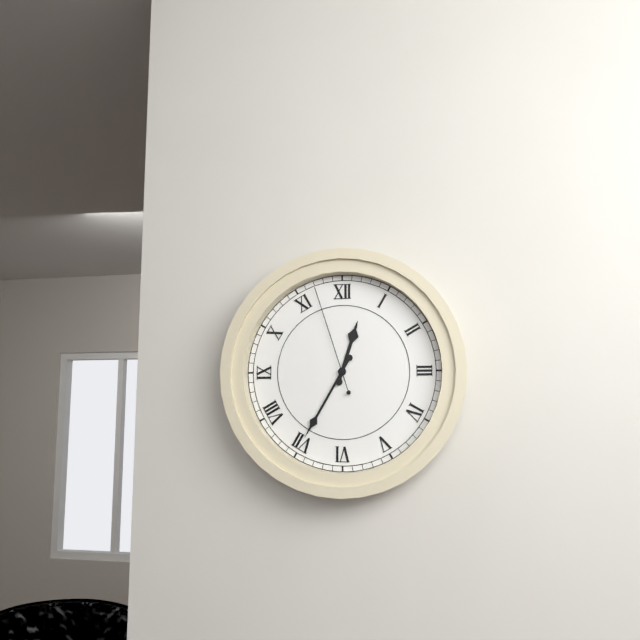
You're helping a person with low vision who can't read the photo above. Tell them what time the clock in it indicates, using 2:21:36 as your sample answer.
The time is 12:35:57
